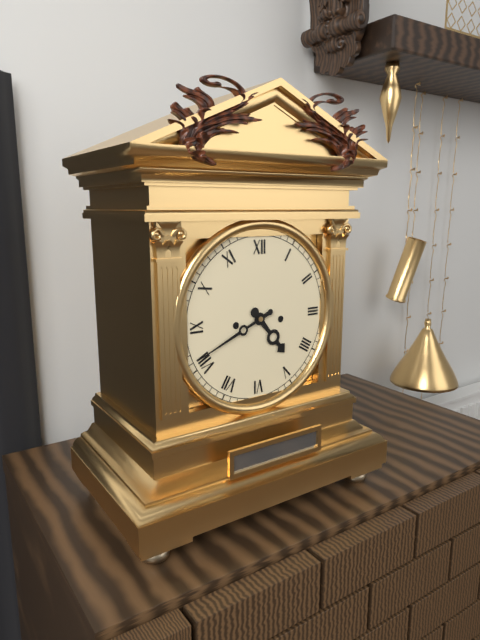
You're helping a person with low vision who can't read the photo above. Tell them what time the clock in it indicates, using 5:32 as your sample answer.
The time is 4:41
